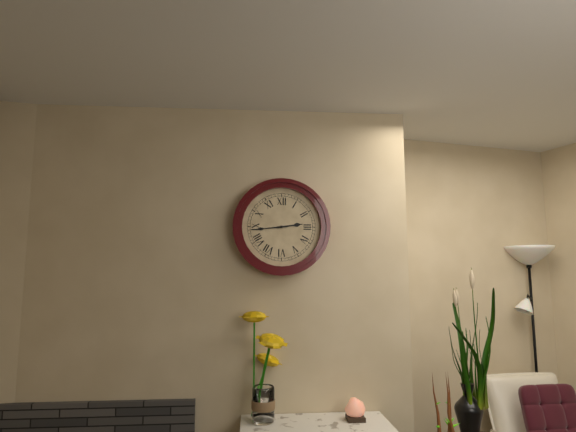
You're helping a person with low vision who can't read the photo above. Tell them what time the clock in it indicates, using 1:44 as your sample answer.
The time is 2:44
